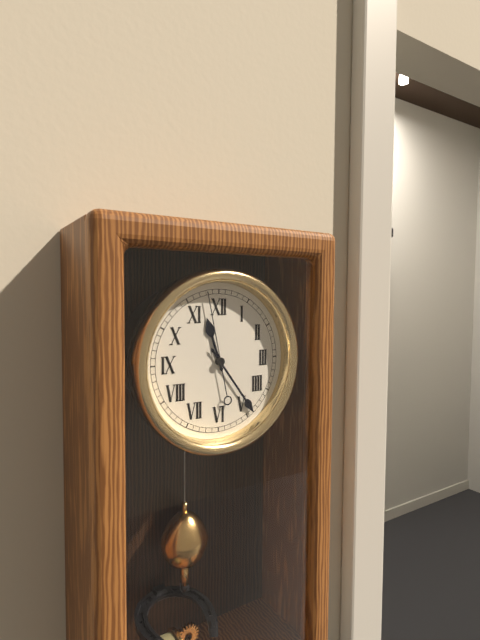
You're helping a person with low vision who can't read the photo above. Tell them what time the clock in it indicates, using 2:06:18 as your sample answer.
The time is 11:24:58
